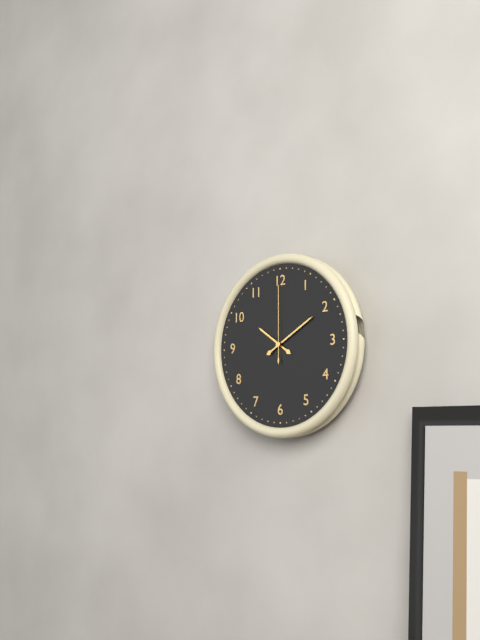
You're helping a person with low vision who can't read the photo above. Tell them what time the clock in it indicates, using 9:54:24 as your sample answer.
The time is 10:10:00
